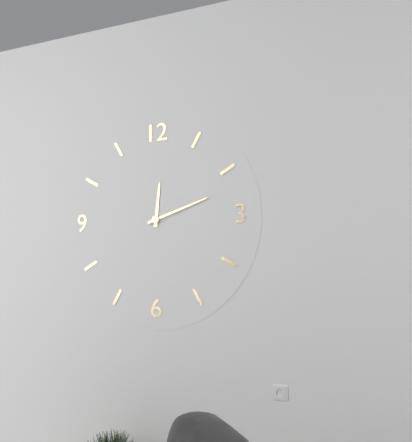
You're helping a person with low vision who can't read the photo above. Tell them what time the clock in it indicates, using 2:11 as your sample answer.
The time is 12:12
